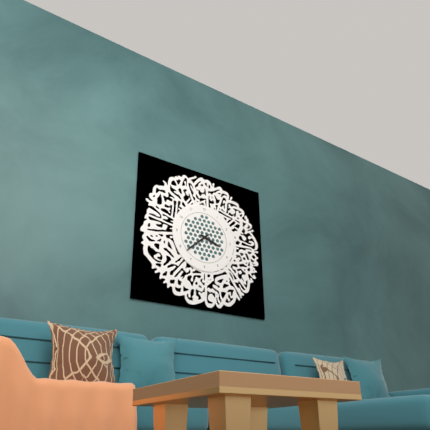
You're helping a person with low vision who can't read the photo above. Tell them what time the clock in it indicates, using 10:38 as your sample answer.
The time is 3:38
